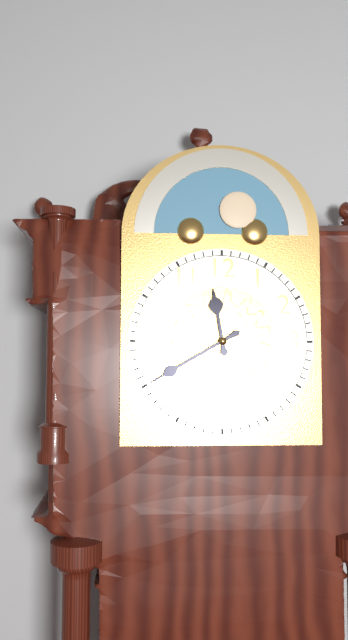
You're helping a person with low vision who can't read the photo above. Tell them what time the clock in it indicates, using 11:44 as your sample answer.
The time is 11:40
